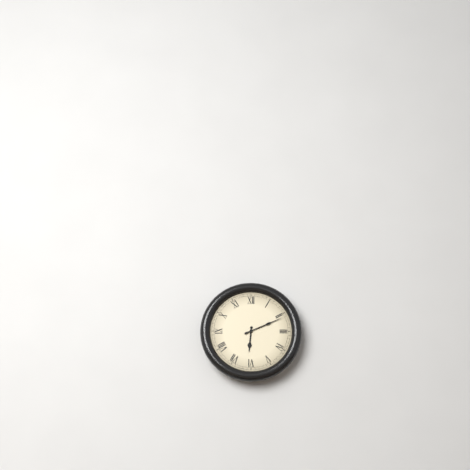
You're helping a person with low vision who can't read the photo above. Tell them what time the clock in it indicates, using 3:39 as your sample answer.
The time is 6:11
